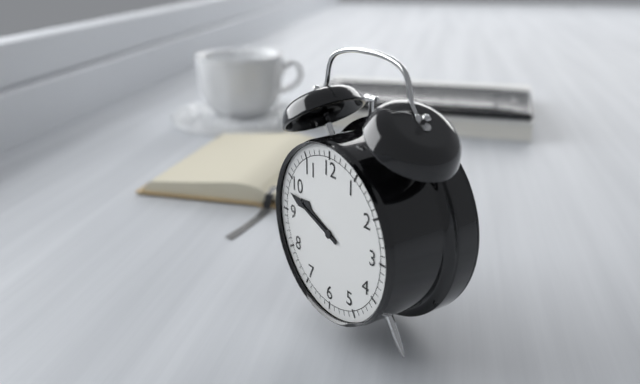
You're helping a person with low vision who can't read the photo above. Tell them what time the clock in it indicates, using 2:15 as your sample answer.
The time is 9:48
